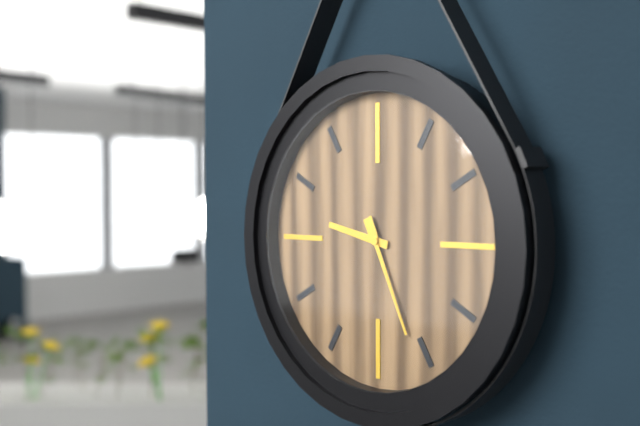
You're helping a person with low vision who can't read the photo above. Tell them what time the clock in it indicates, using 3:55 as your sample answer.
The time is 9:26
